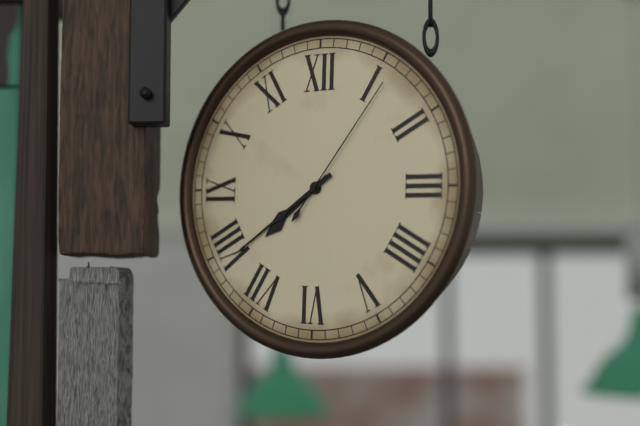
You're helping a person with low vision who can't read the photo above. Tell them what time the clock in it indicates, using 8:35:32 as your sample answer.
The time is 7:39:06
